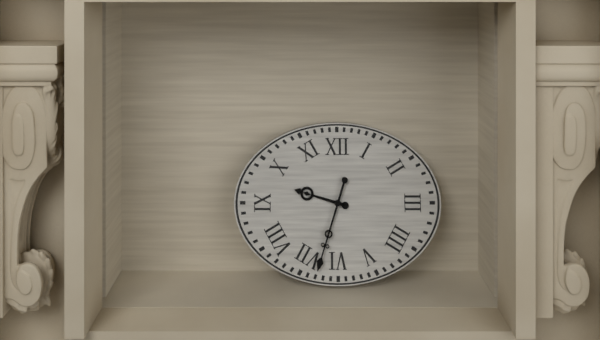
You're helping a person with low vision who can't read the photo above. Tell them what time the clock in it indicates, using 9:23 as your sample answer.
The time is 9:33
